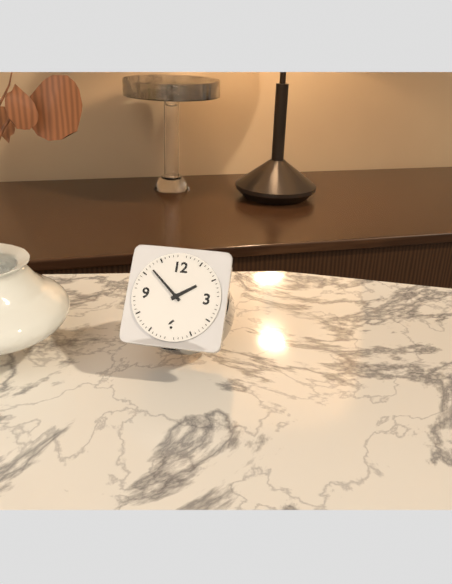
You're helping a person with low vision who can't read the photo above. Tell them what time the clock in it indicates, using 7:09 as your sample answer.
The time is 1:52
